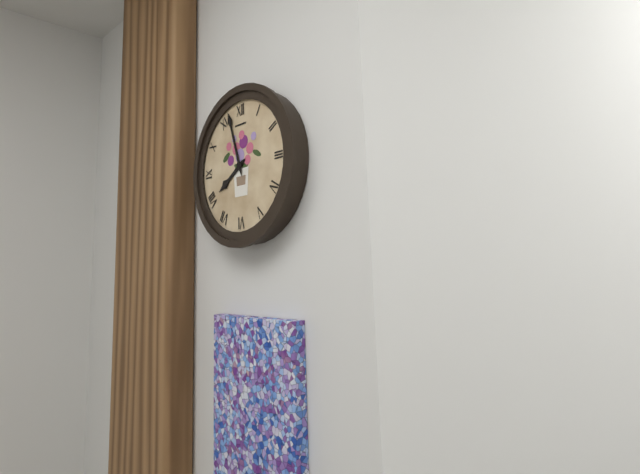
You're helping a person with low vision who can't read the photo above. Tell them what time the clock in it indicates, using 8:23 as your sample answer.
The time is 7:57
